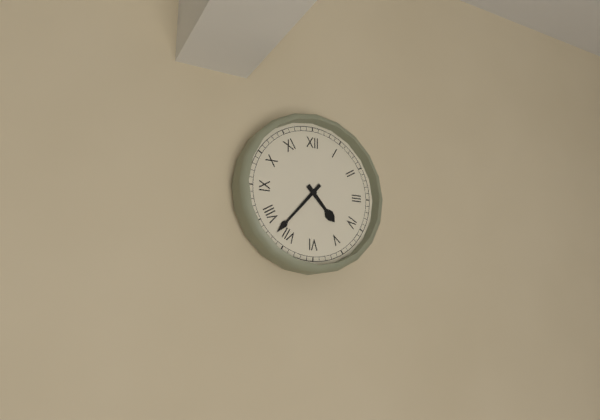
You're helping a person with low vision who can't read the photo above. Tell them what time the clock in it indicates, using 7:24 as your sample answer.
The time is 4:37
